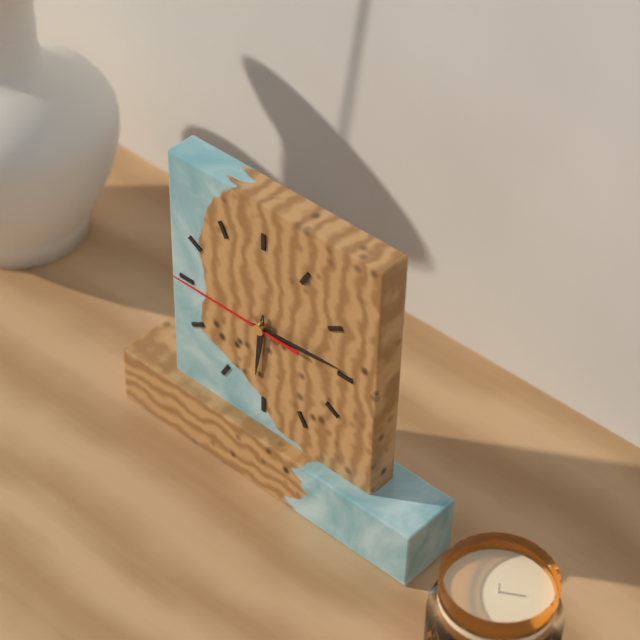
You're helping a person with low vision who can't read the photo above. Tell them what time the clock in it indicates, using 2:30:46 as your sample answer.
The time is 6:14:45
